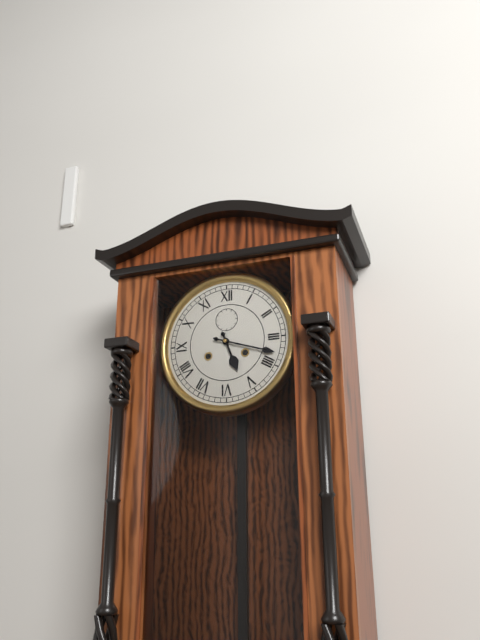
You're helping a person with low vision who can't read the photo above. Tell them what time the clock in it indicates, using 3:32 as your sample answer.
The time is 5:18
